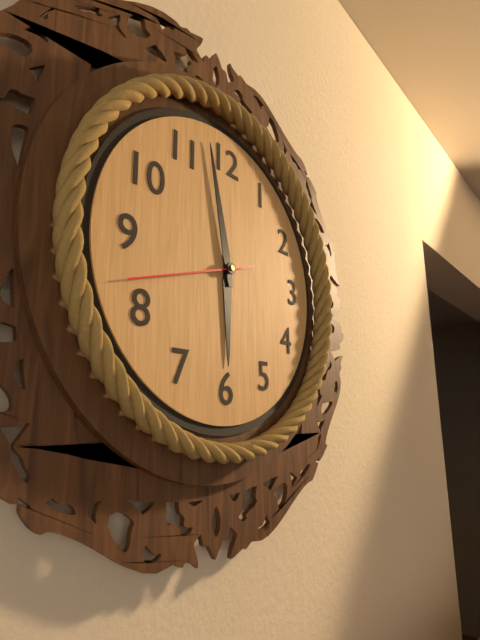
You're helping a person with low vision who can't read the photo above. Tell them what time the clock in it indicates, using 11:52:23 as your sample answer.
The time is 5:58:42
